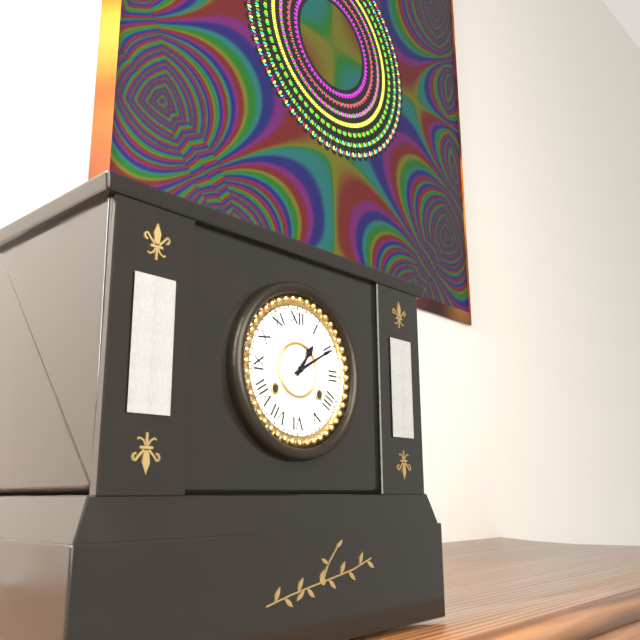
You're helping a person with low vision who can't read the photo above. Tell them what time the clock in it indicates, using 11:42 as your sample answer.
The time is 1:10
